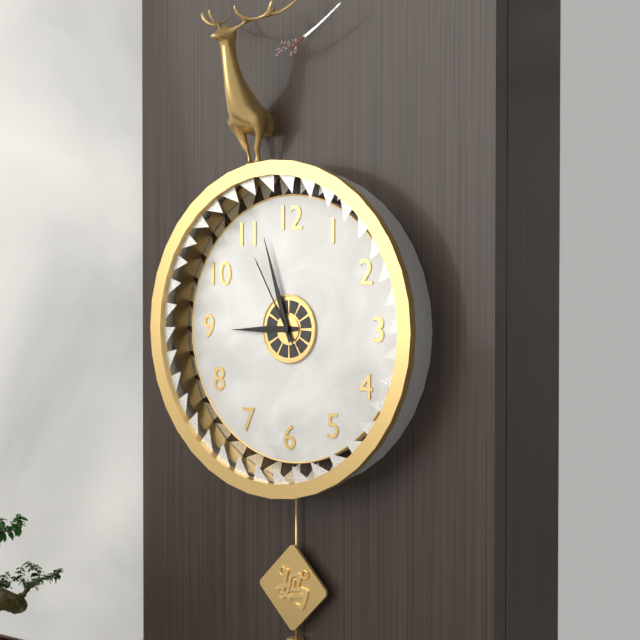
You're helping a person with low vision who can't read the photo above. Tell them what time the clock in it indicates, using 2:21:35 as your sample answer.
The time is 8:57:55
